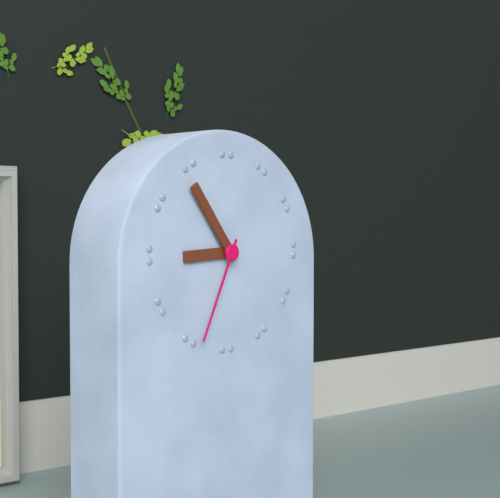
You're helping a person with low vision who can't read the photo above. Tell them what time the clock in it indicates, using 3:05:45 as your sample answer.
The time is 8:54:34
